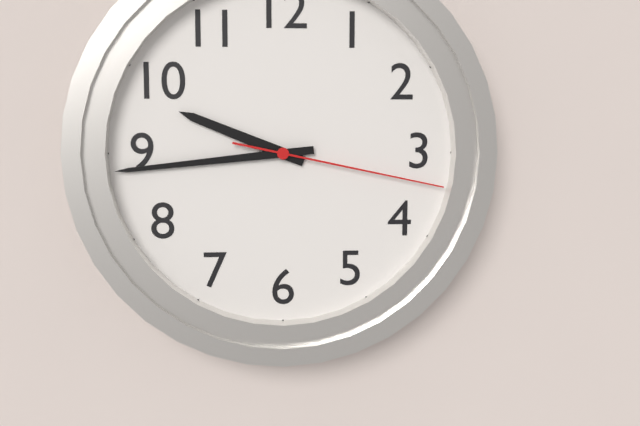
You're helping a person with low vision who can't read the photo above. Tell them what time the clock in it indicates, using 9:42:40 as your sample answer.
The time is 9:44:17
